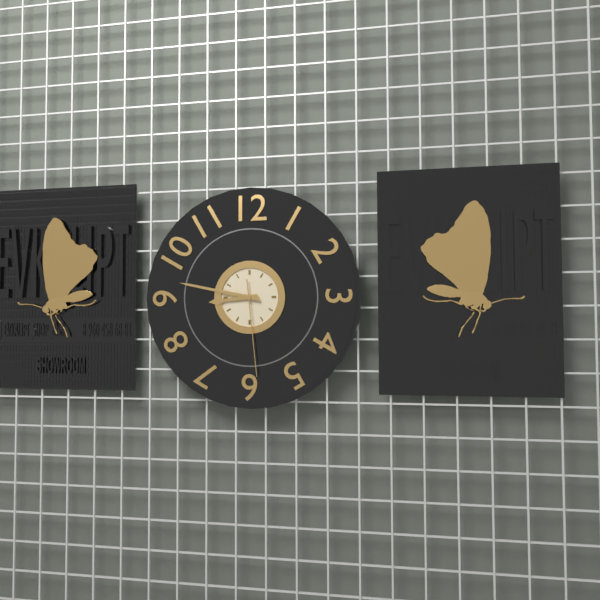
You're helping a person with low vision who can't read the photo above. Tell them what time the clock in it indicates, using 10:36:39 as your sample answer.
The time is 8:47:29
